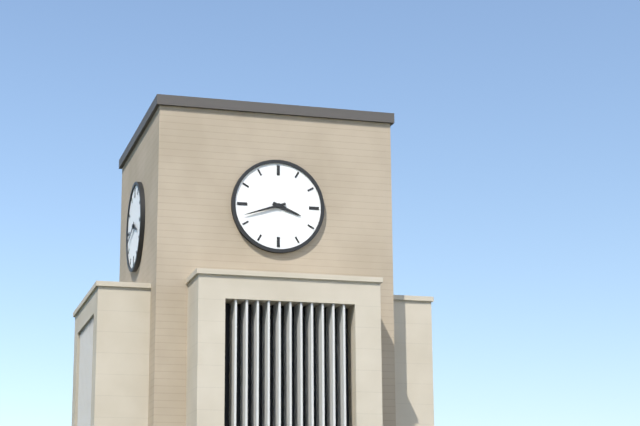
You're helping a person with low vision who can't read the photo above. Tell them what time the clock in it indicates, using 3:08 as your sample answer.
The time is 3:42
